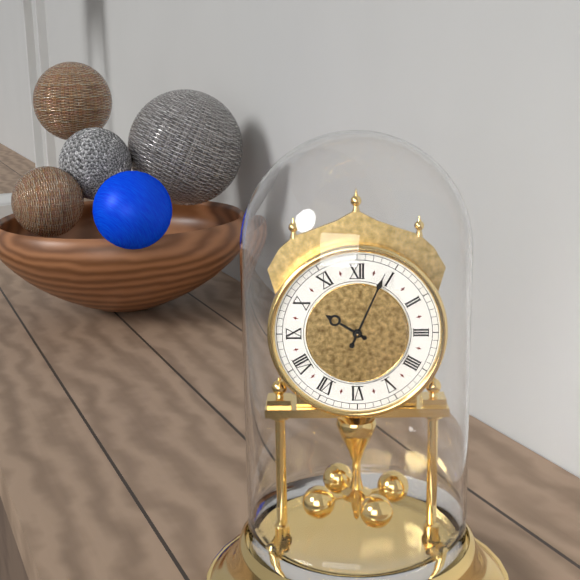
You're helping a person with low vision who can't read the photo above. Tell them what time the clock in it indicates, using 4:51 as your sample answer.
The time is 10:04
